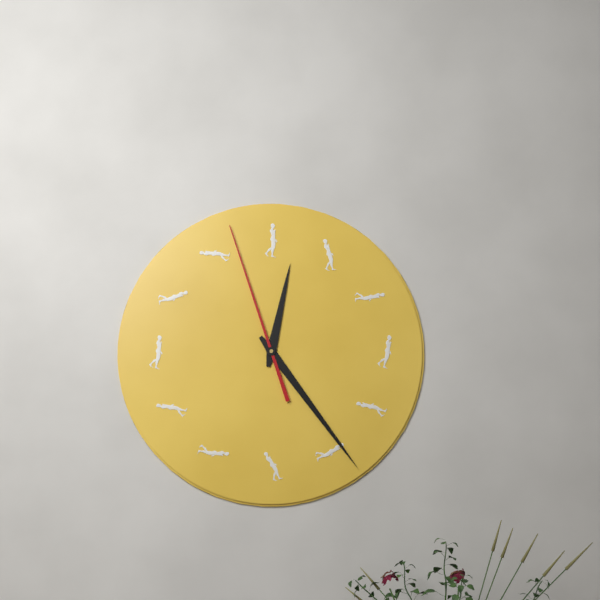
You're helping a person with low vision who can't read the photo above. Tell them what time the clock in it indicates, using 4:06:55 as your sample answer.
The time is 12:24:57
